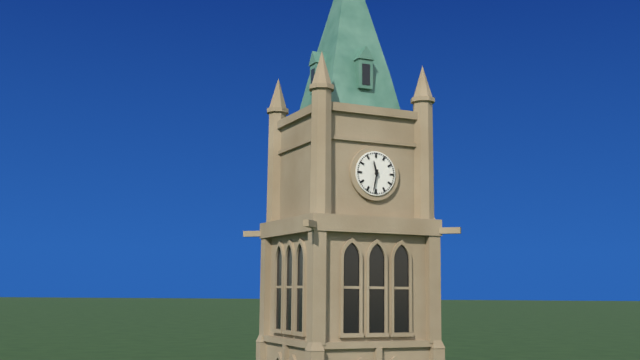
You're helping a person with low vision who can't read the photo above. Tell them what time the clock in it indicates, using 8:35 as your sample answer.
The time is 11:32
